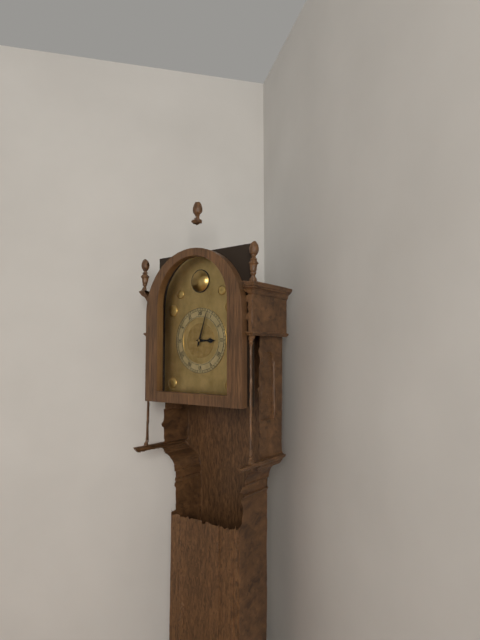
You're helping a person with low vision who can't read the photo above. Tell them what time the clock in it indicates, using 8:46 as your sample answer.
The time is 3:03
